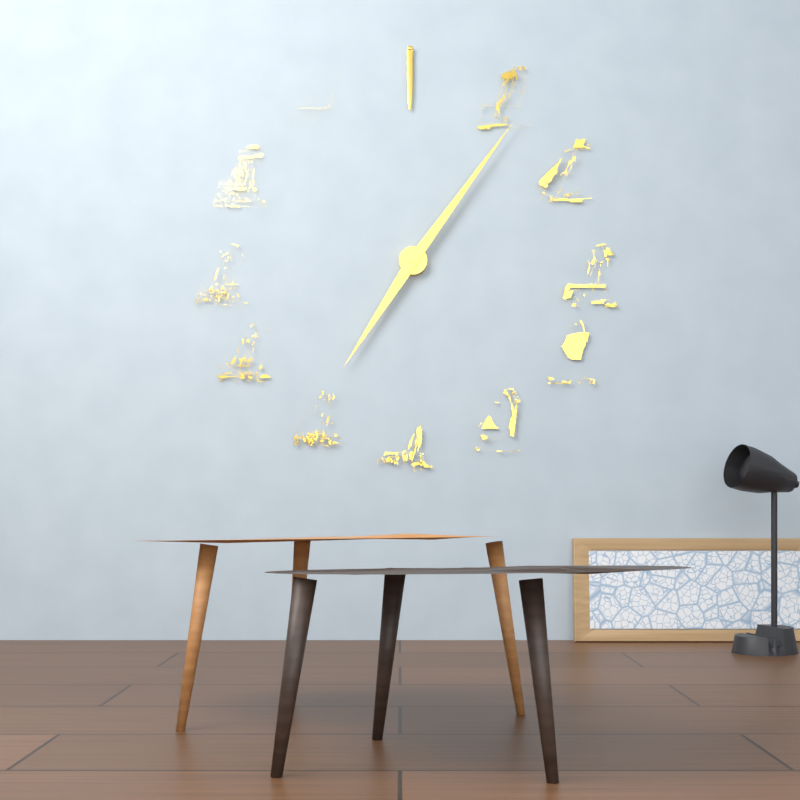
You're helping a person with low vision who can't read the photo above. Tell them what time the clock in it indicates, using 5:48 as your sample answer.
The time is 7:06
